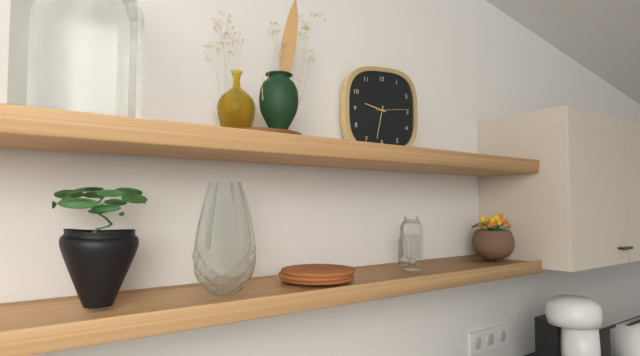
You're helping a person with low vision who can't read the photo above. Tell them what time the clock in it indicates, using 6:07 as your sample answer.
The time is 9:32
